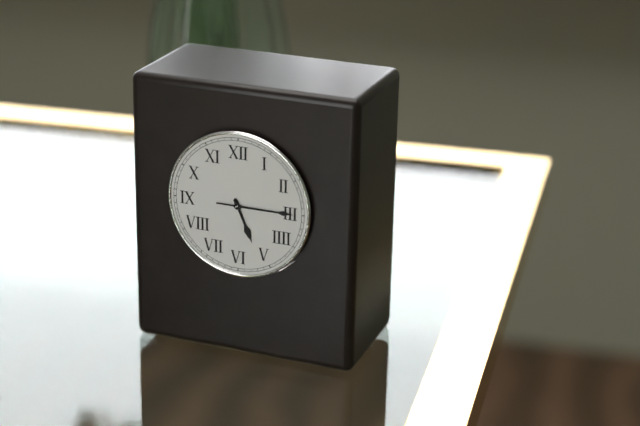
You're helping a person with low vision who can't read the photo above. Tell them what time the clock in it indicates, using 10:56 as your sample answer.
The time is 5:15
